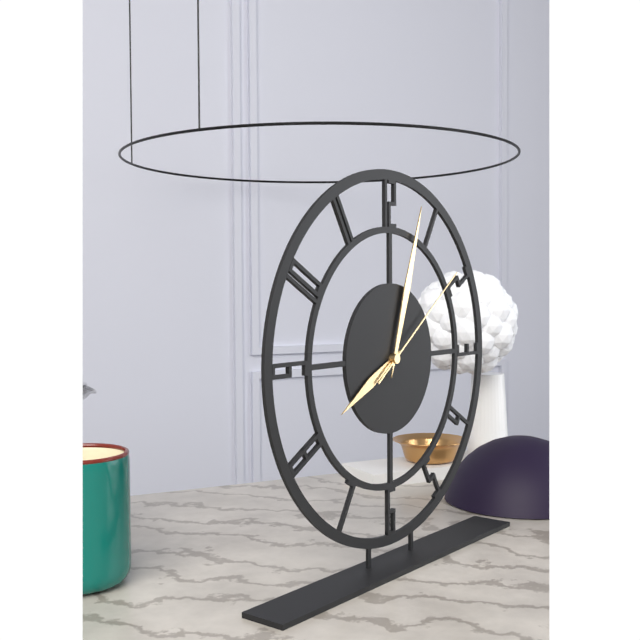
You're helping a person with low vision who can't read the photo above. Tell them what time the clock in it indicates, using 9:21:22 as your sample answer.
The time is 8:03:09
